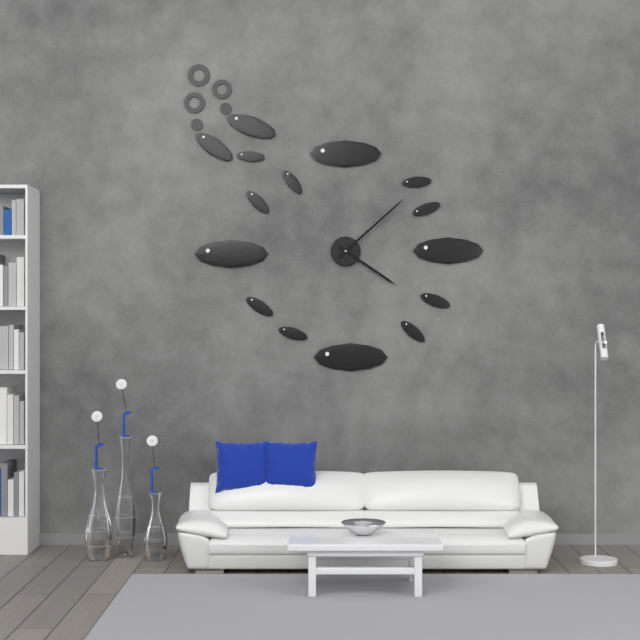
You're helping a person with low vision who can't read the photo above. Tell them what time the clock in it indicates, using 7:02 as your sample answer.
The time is 4:08
